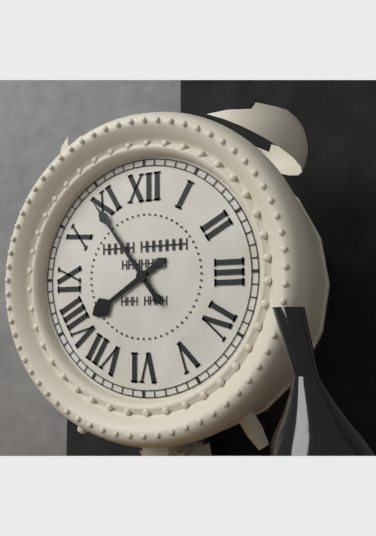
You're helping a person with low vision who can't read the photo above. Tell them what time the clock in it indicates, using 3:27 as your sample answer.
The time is 7:54
